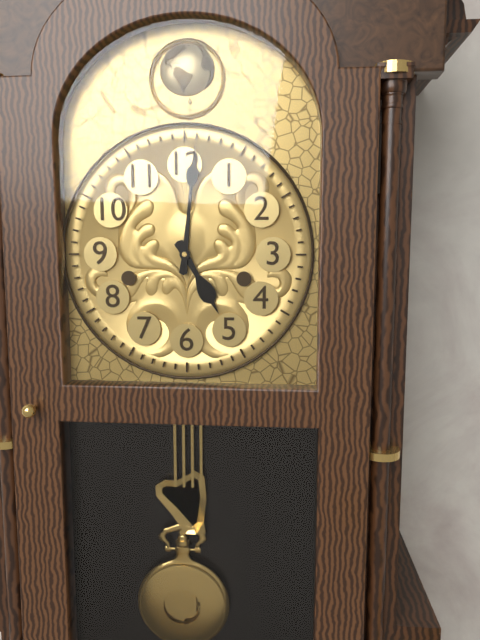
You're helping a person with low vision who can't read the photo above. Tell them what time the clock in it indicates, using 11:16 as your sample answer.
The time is 5:01
